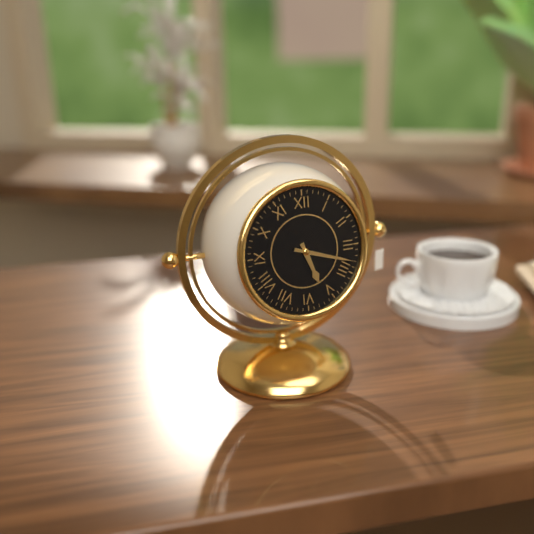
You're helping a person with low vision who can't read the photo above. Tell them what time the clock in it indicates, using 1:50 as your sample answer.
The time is 5:18
